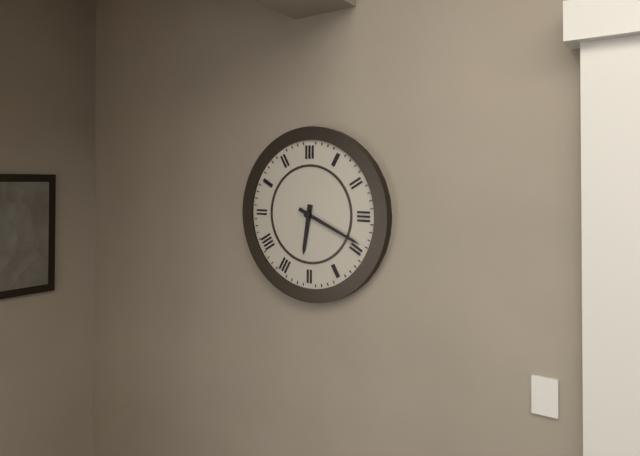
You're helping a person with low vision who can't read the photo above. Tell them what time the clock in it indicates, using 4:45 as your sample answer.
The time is 6:19
